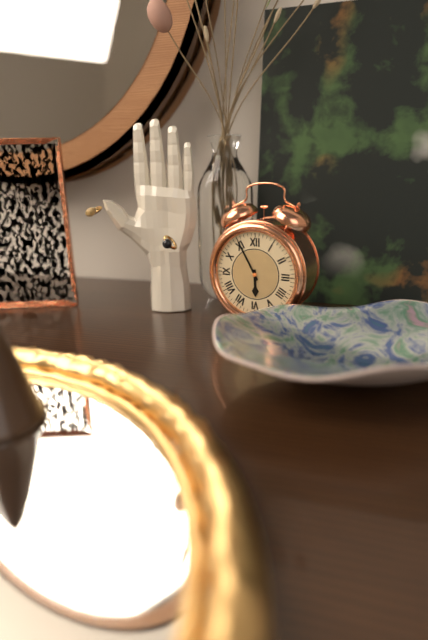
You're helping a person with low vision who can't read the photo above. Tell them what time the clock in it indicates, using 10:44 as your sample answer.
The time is 5:55
